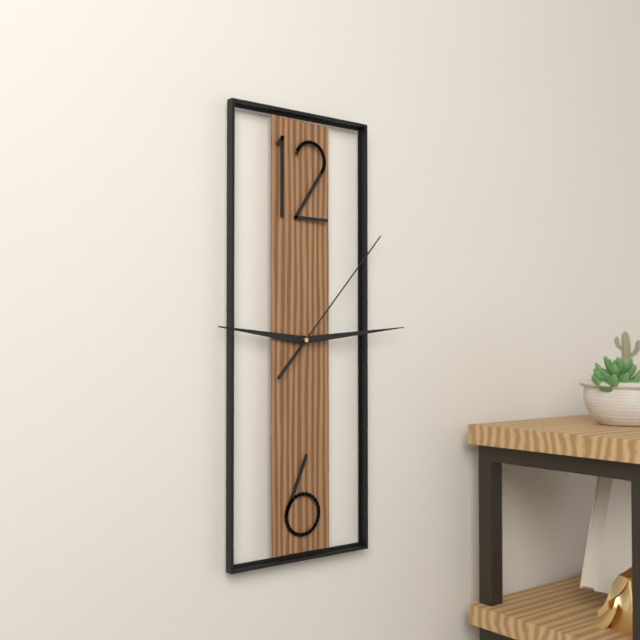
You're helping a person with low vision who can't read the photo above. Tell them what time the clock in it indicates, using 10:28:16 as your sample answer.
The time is 9:14:07
